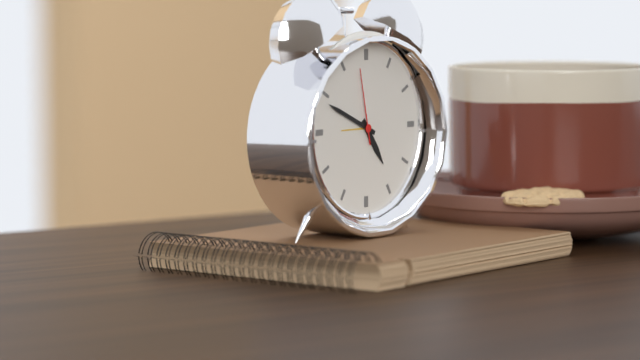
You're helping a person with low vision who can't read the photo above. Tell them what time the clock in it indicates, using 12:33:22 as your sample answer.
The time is 4:49:58
